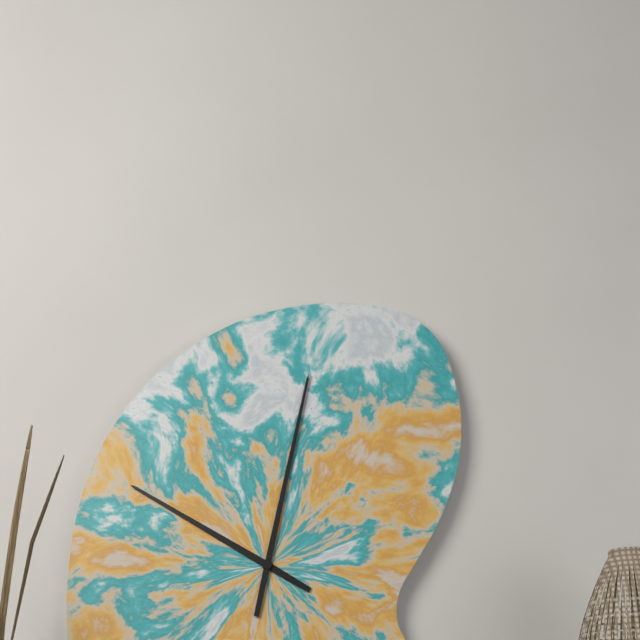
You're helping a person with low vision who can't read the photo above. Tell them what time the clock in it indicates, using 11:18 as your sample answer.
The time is 10:02
